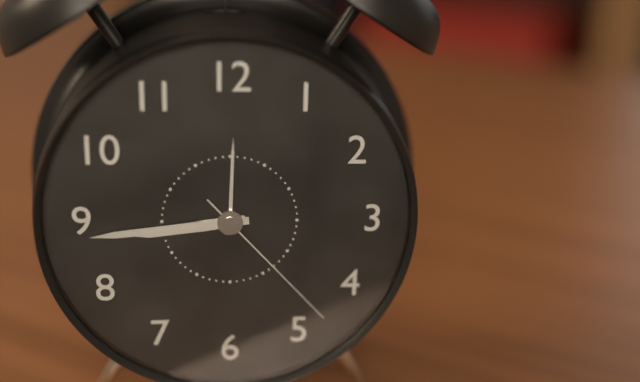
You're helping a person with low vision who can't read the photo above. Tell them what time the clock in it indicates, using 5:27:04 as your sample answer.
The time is 8:44:23
